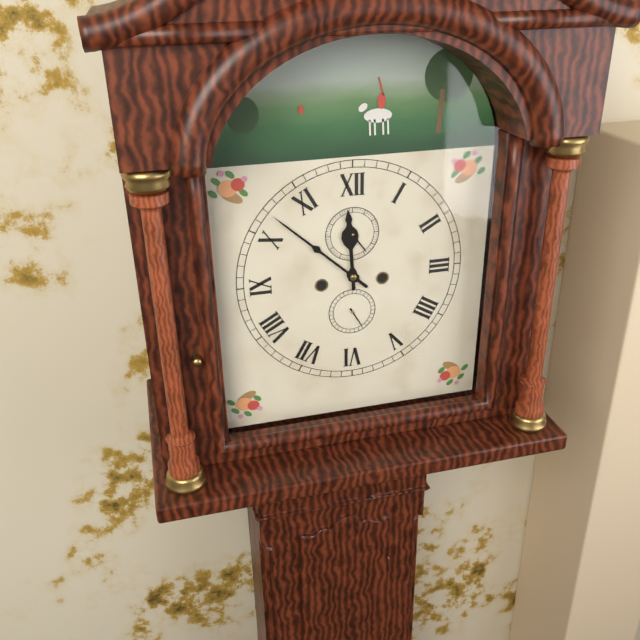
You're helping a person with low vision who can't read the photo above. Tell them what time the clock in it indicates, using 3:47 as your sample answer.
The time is 11:52
